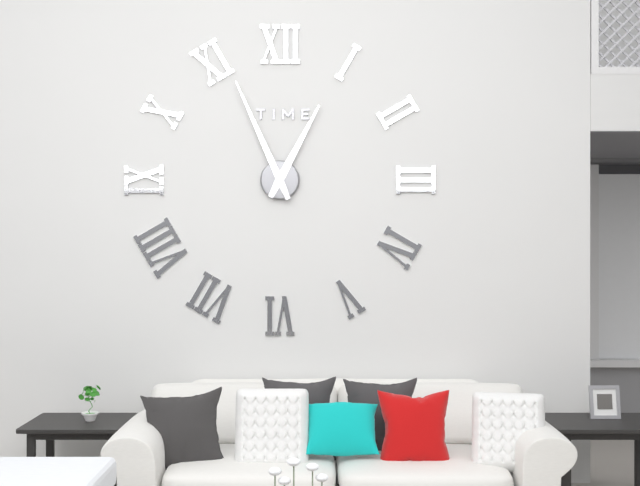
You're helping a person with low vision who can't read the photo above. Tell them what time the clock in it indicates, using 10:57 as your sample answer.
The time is 12:56
